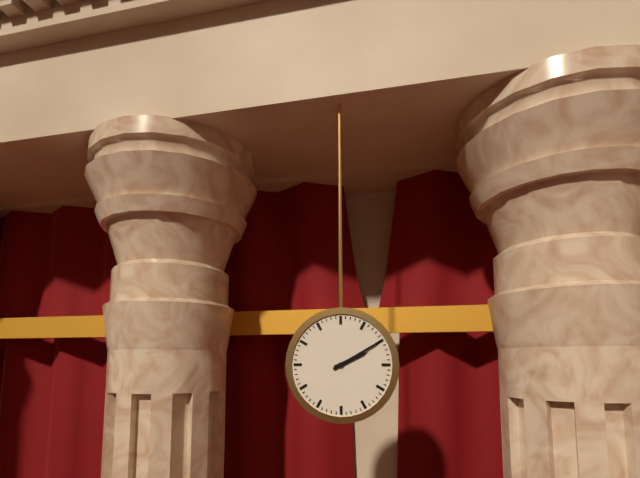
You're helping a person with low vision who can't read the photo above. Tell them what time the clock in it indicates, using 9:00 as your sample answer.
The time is 2:10
